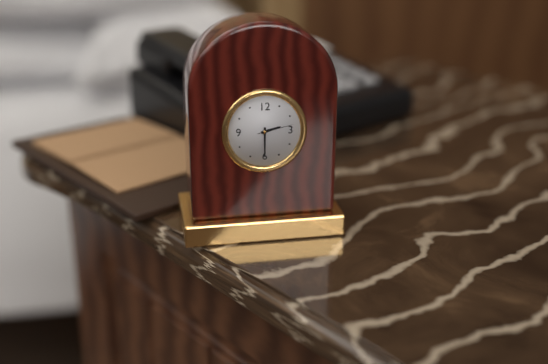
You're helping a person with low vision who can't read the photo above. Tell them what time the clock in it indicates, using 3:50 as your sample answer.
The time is 2:30
